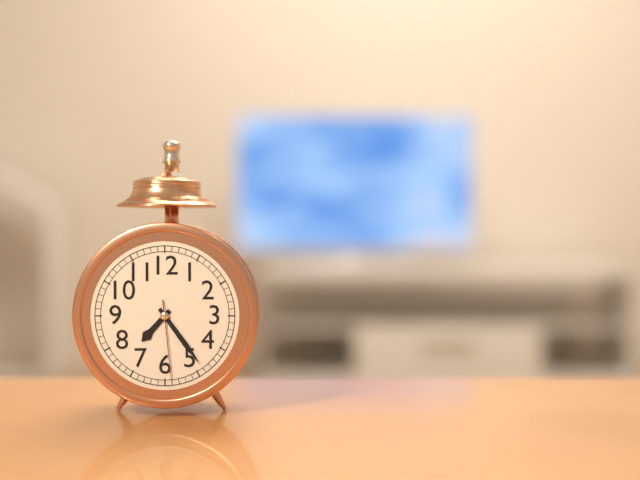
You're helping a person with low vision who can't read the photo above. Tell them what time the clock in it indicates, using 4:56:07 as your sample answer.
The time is 7:24:29
